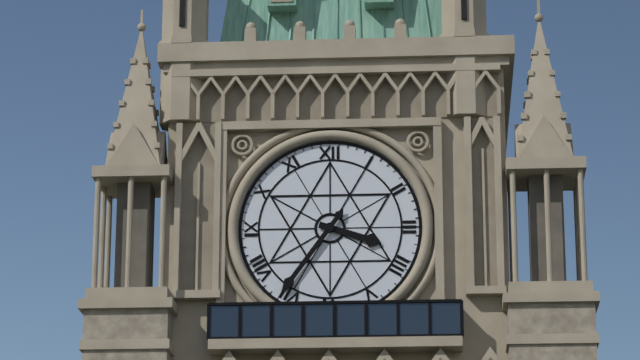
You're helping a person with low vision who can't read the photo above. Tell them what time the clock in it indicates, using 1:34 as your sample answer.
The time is 3:36
